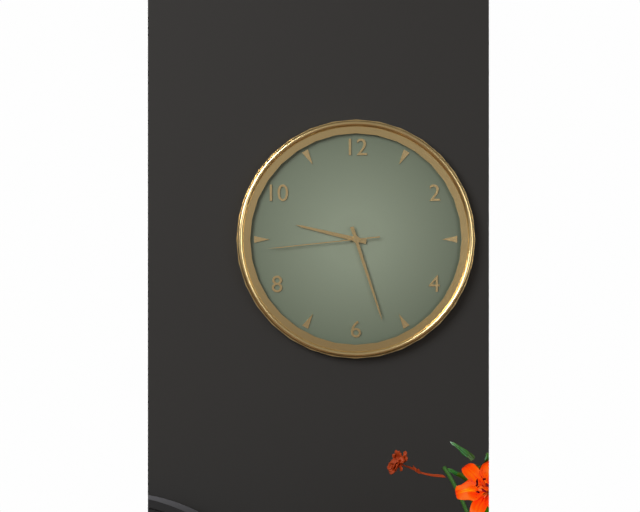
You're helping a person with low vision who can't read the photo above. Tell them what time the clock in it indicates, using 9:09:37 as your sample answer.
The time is 9:27:44
